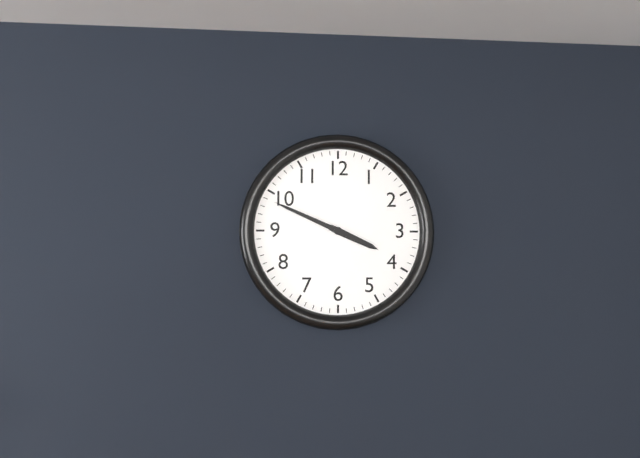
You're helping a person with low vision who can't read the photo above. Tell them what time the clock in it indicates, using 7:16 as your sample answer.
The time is 3:49
